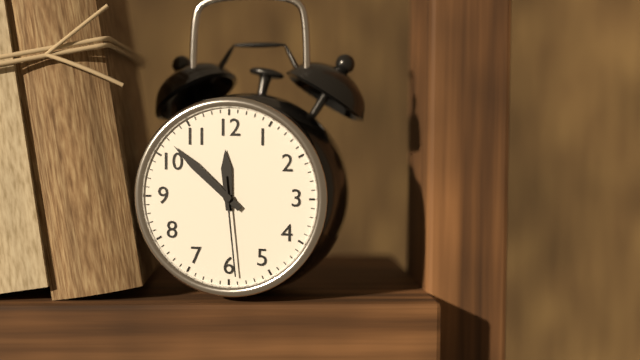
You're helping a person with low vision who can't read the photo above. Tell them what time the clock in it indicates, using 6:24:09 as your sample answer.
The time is 11:52:29
